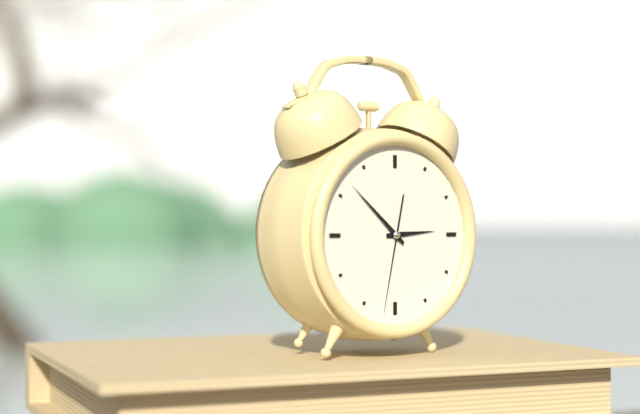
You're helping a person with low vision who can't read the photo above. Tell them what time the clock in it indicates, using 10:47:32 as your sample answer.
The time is 2:52:32
